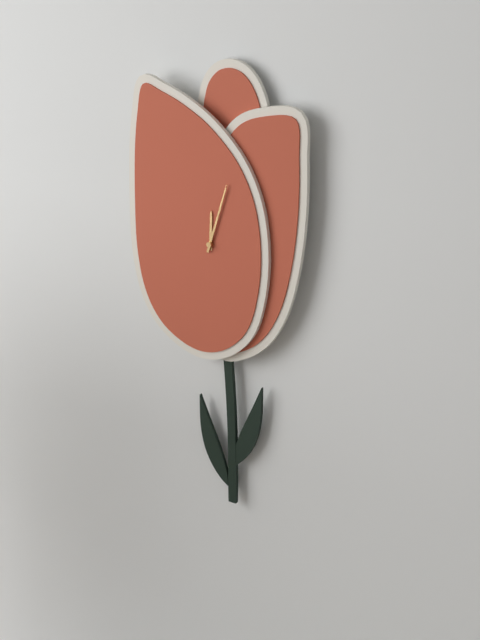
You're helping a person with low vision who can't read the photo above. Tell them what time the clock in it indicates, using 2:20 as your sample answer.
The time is 12:03
